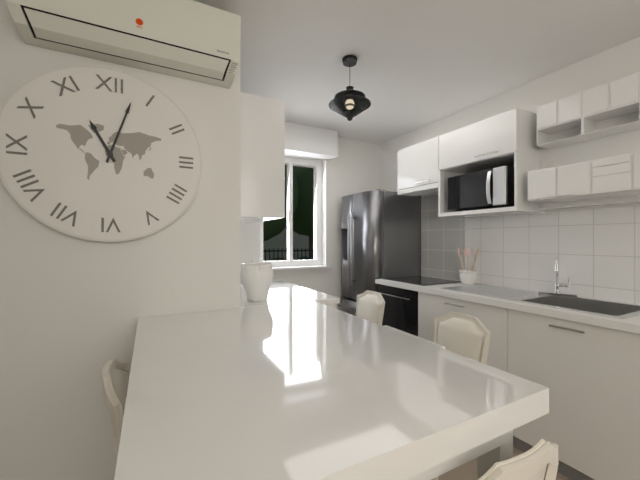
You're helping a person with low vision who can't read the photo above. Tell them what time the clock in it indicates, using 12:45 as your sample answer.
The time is 11:03
